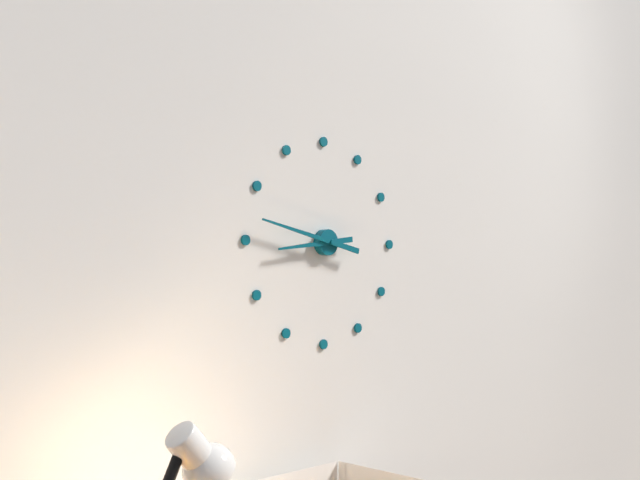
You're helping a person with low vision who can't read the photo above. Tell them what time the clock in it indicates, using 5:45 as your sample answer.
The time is 8:47
